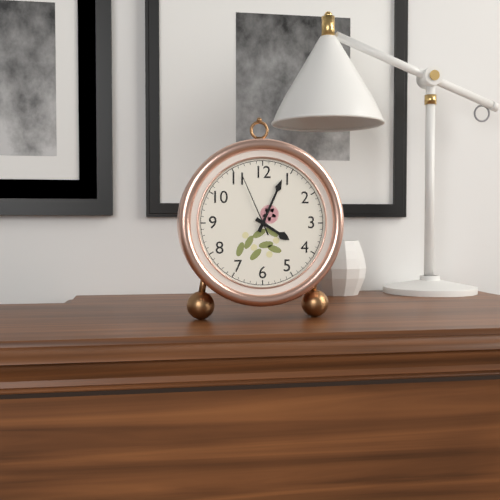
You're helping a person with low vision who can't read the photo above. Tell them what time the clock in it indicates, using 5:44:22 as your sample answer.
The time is 4:04:56
